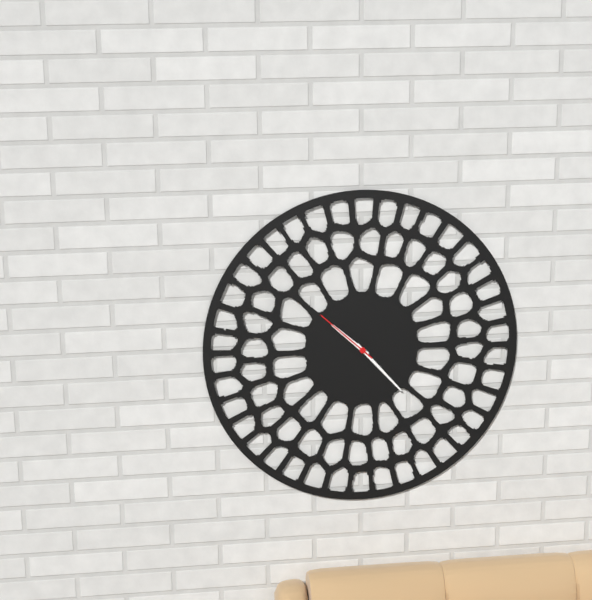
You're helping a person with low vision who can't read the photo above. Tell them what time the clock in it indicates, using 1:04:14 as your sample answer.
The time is 10:23:52
